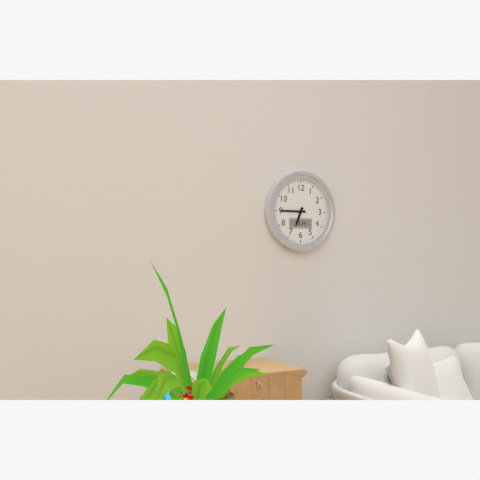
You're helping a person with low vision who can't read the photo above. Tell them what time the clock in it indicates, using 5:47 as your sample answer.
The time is 6:45
